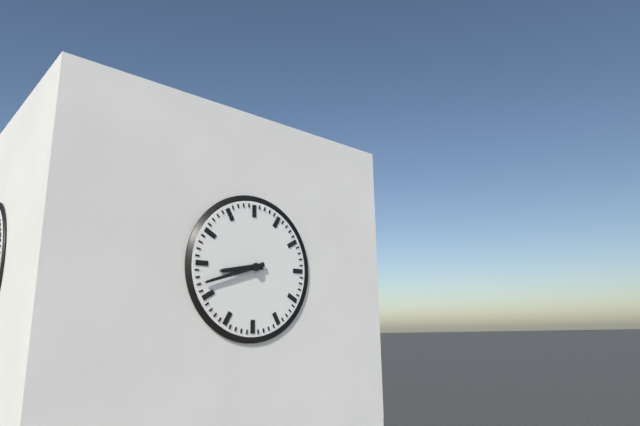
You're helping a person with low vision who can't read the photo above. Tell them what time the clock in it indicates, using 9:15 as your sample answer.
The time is 8:42
